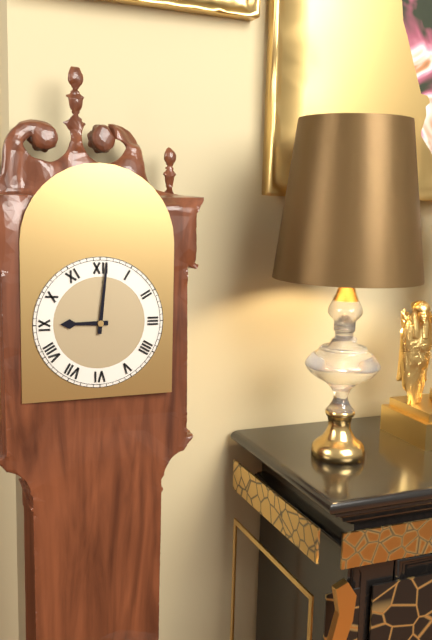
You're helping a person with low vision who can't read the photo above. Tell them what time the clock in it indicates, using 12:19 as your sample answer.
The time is 9:01
